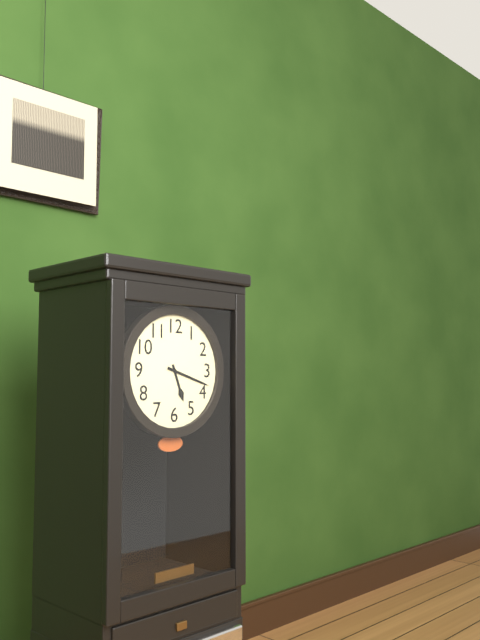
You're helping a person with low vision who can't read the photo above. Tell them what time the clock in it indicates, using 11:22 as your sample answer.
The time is 5:18
